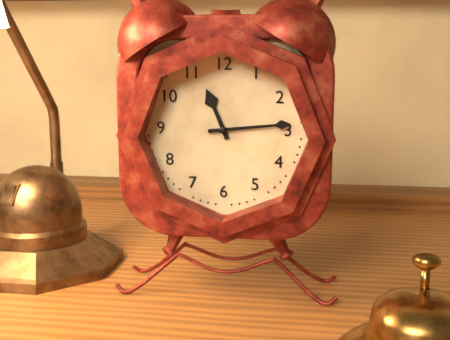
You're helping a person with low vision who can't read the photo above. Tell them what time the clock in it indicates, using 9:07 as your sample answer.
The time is 11:14
